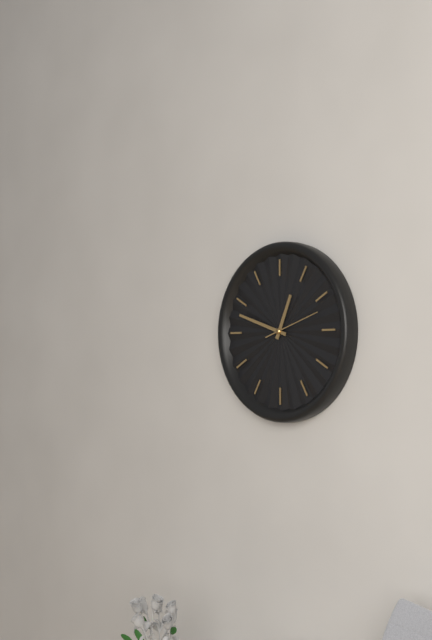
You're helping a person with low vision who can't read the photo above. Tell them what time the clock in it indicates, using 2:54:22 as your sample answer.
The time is 12:48:12
